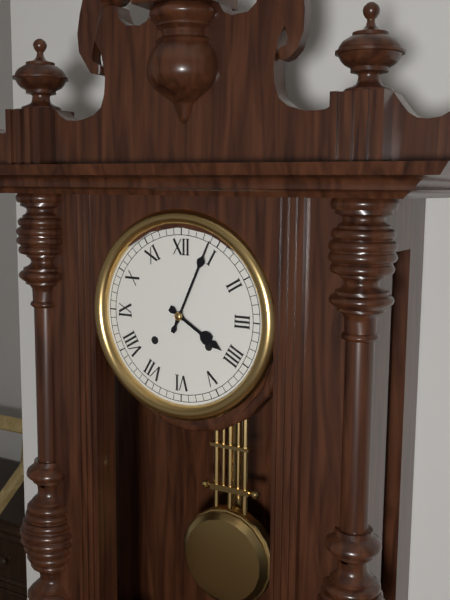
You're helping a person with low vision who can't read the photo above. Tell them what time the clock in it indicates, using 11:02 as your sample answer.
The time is 4:04
